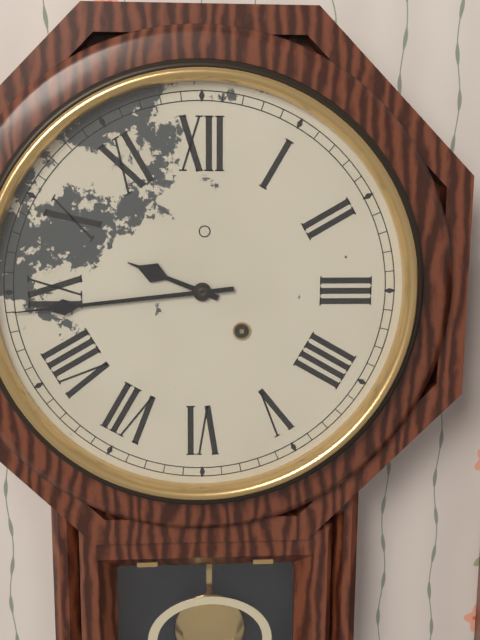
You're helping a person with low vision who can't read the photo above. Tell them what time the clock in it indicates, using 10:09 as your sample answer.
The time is 9:44
